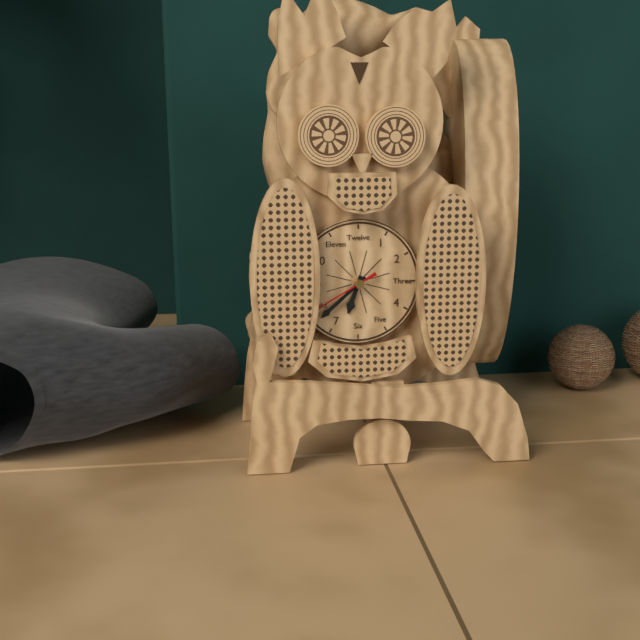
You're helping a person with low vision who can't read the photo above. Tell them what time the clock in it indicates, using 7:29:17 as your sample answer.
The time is 6:38:40
